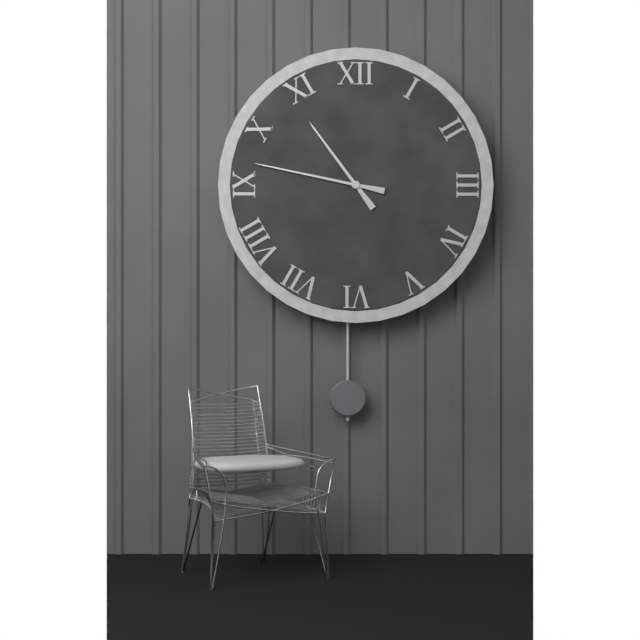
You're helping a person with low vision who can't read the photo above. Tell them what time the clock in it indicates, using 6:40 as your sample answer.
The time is 10:47
